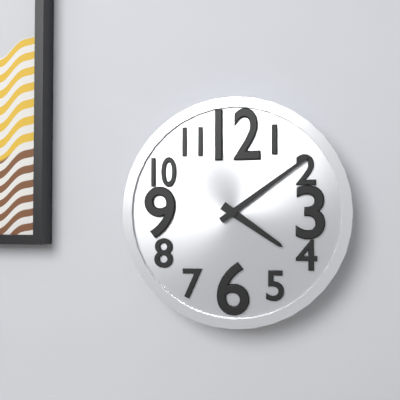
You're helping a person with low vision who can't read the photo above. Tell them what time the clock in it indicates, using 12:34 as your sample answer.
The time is 4:09
